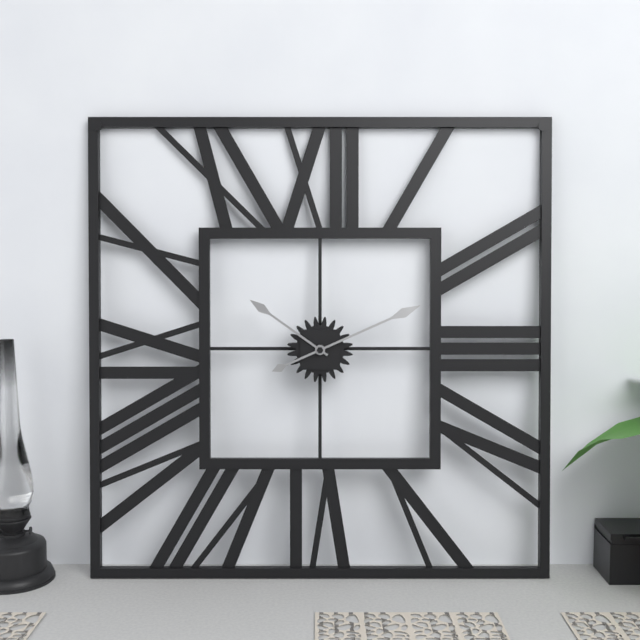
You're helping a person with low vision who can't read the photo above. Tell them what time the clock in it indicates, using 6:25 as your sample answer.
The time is 10:11
